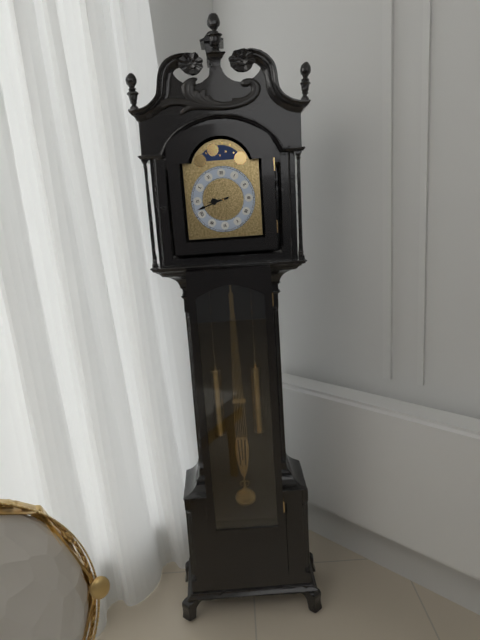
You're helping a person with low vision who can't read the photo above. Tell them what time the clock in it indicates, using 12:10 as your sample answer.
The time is 8:42
